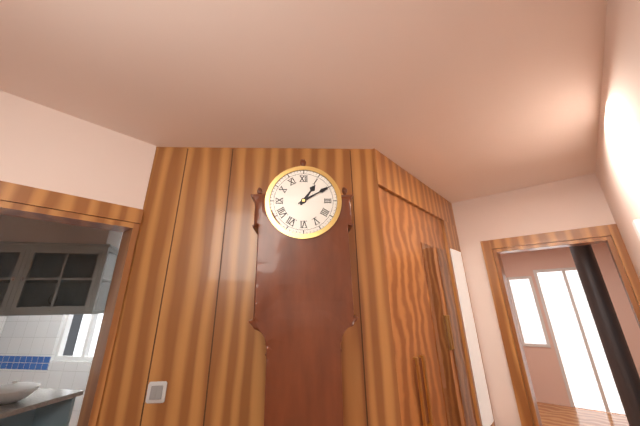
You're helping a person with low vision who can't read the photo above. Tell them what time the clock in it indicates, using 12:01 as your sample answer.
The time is 1:10
